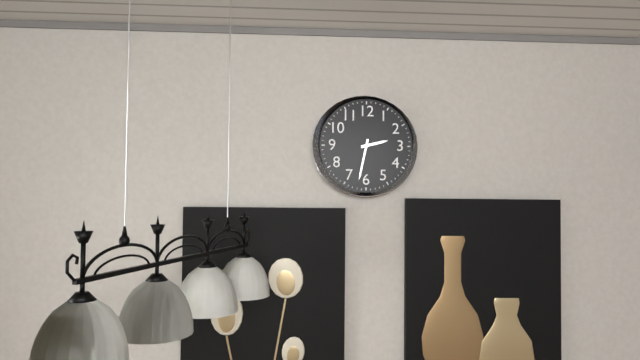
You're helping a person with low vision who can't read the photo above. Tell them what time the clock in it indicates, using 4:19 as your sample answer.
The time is 2:32
